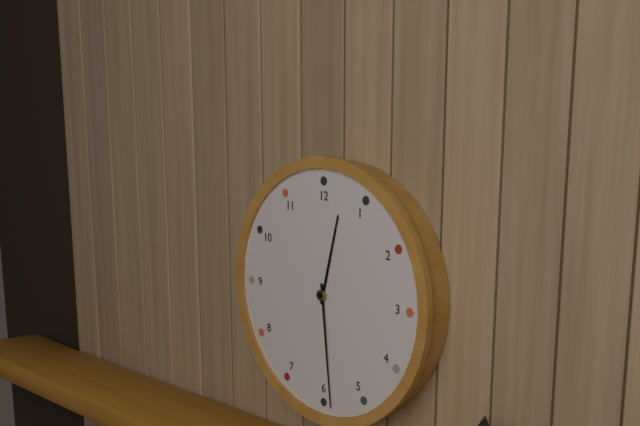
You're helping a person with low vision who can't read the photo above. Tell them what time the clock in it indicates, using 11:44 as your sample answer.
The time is 12:29
